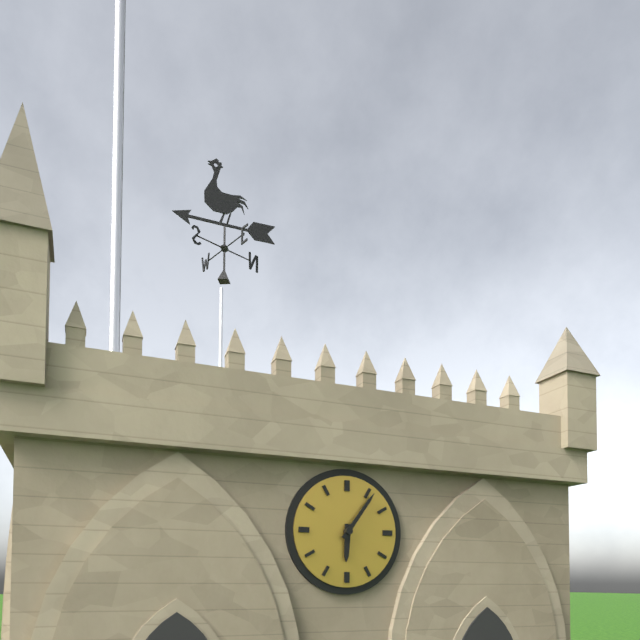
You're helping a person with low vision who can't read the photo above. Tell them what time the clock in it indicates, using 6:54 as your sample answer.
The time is 6:06
